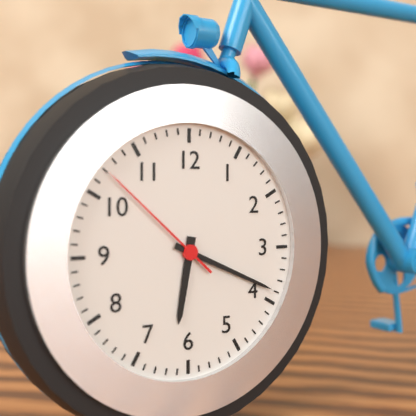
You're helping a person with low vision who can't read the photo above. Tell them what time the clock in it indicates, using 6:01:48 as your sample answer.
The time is 6:19:52
